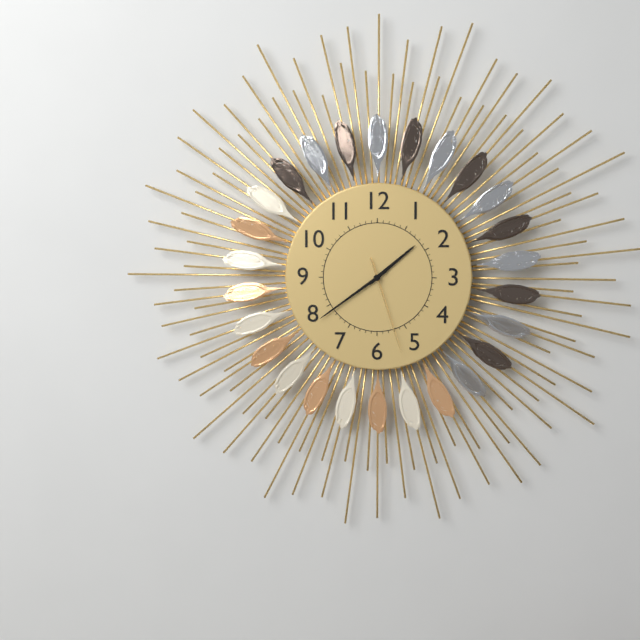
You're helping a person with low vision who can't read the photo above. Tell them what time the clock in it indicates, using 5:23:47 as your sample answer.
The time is 1:39:27
